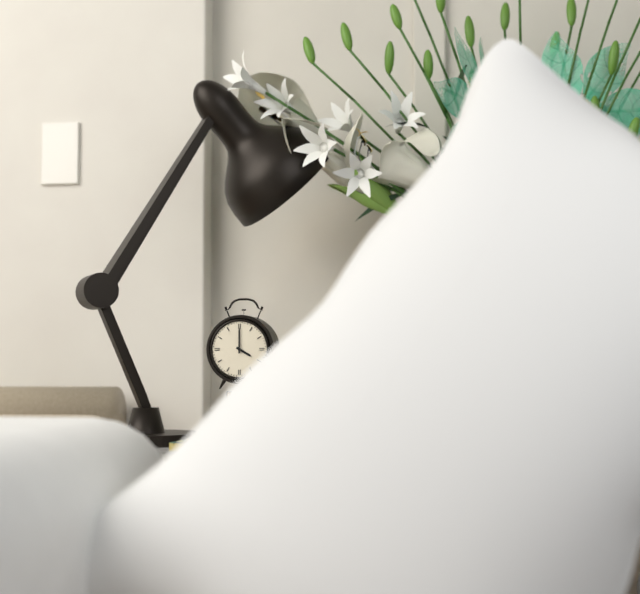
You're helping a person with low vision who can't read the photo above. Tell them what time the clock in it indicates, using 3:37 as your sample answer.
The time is 4:00
